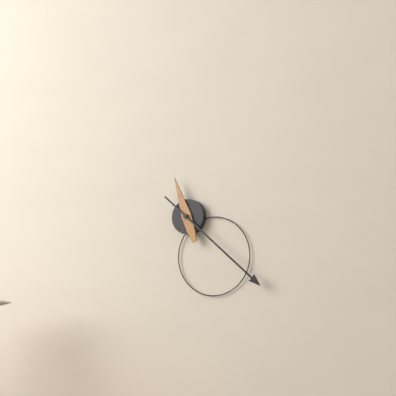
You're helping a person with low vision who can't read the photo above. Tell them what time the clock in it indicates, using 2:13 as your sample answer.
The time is 11:22
